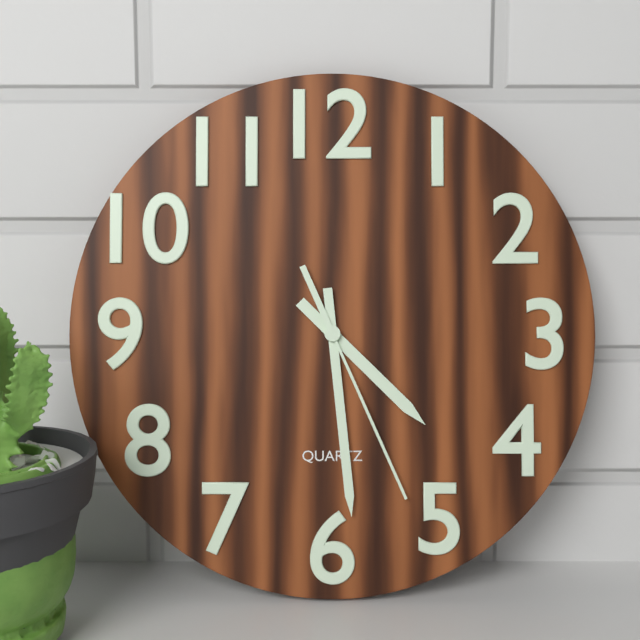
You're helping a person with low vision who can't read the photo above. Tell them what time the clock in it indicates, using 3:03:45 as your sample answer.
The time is 4:29:26
